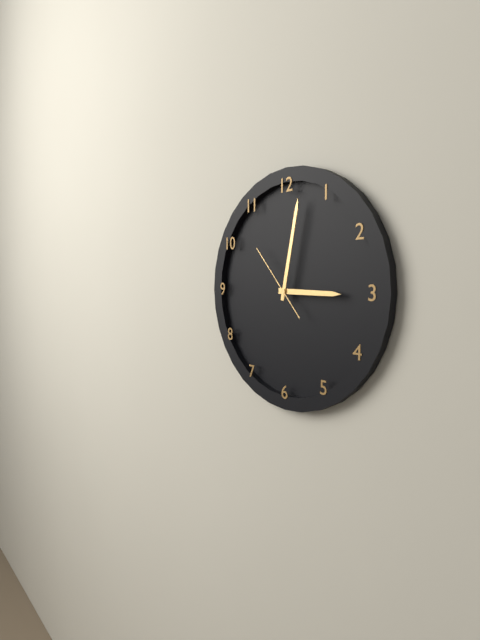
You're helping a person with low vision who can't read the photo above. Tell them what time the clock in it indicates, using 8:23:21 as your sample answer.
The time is 3:02:53
